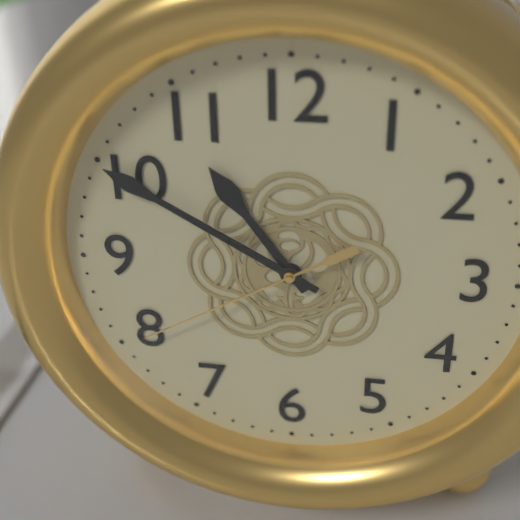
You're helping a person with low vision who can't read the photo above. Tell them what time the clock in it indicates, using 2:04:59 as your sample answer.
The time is 10:50:40
